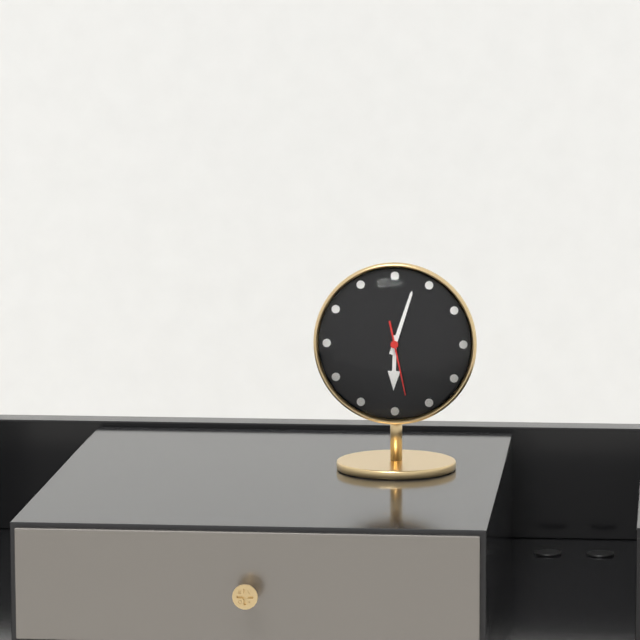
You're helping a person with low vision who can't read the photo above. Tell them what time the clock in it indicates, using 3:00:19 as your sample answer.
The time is 6:03:28
